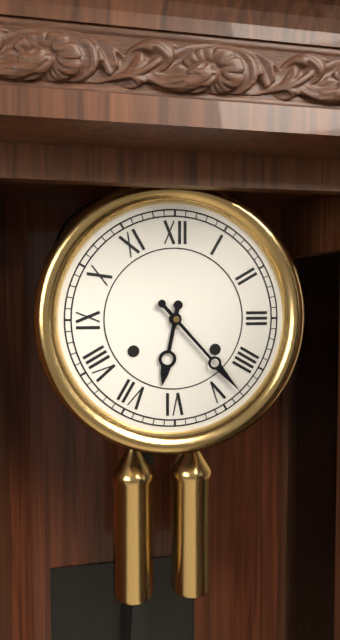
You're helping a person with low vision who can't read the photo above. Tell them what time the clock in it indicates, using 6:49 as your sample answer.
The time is 6:23
